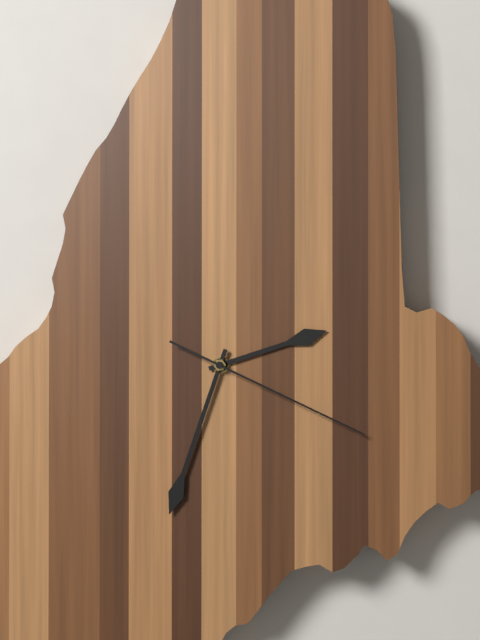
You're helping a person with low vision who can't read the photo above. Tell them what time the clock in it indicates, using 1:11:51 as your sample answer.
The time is 2:34:20
